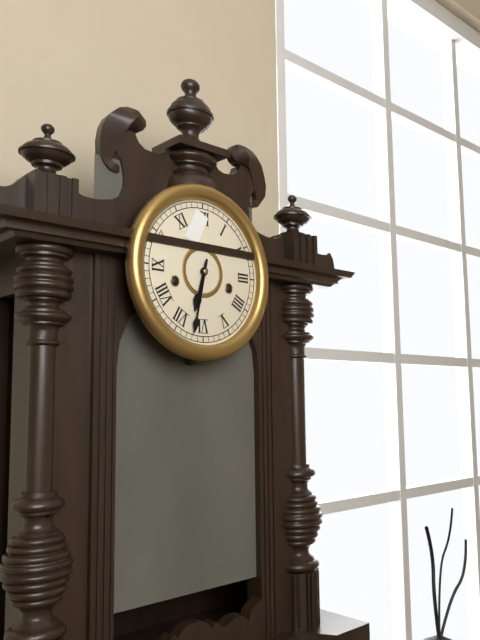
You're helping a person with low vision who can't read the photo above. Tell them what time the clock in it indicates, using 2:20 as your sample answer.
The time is 6:32
